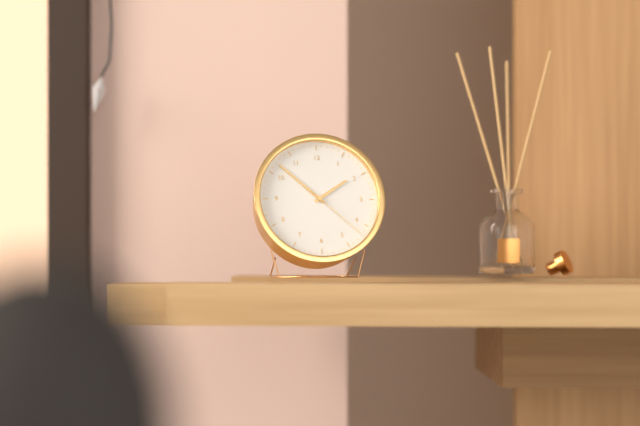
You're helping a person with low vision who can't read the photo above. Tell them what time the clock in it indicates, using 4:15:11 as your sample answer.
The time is 1:52:22
